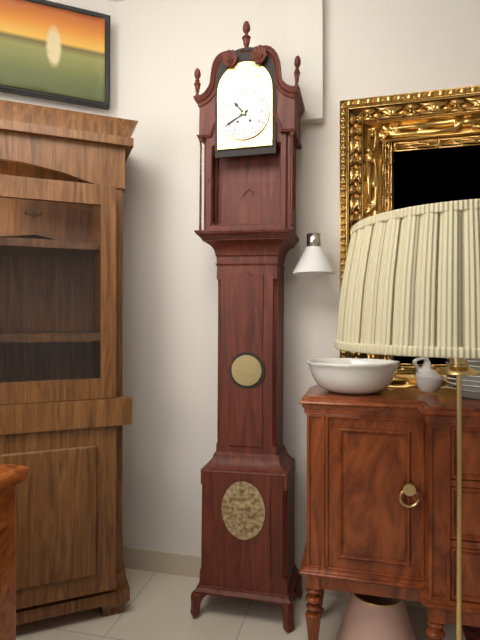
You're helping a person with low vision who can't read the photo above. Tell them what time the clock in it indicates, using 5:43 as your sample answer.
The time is 10:40
